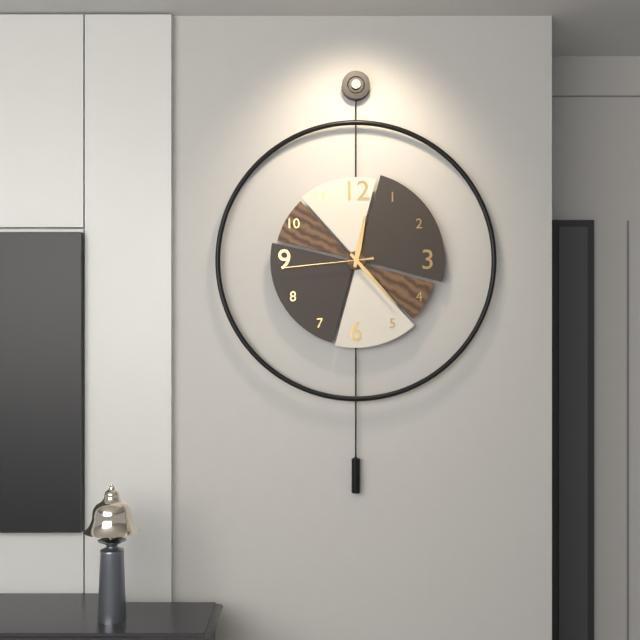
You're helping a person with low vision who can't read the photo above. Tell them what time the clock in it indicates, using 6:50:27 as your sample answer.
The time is 12:23:44
